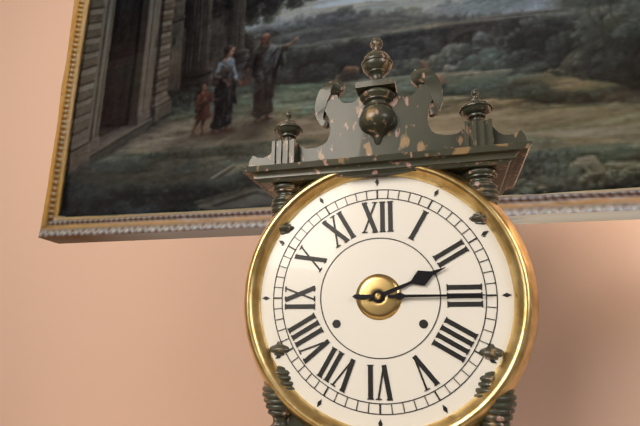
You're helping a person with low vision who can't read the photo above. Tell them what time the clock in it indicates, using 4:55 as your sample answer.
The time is 2:15
